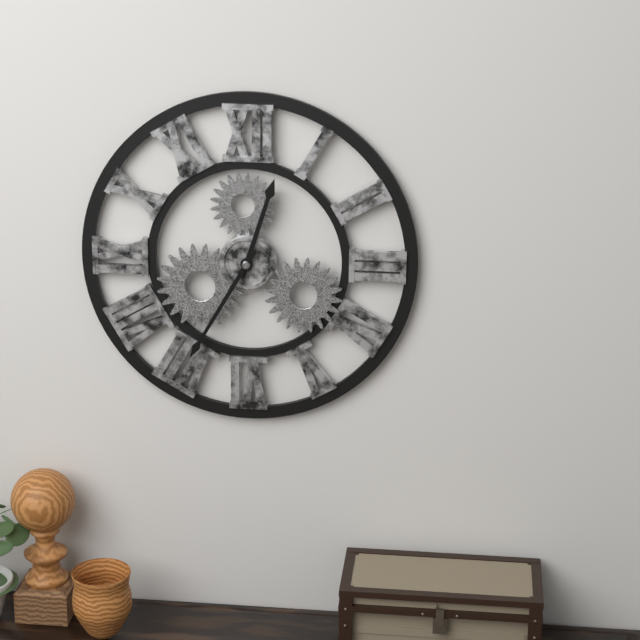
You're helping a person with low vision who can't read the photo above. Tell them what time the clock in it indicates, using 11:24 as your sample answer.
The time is 12:35
